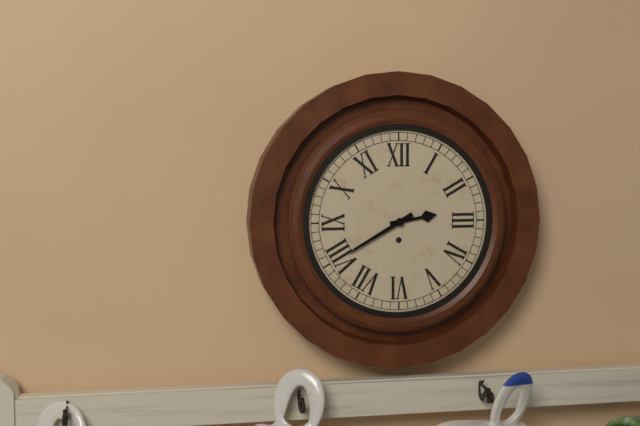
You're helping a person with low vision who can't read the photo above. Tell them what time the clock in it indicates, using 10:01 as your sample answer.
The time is 2:40
